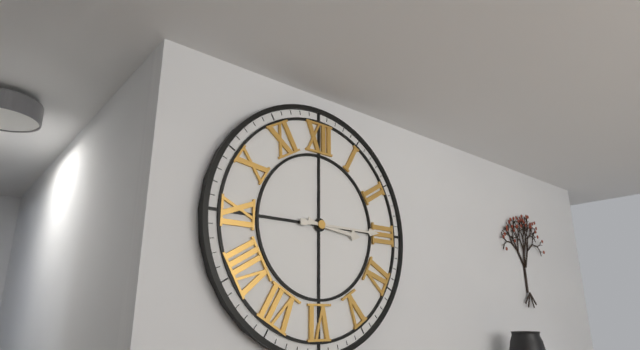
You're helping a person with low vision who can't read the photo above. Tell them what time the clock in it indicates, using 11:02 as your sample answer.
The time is 3:15
